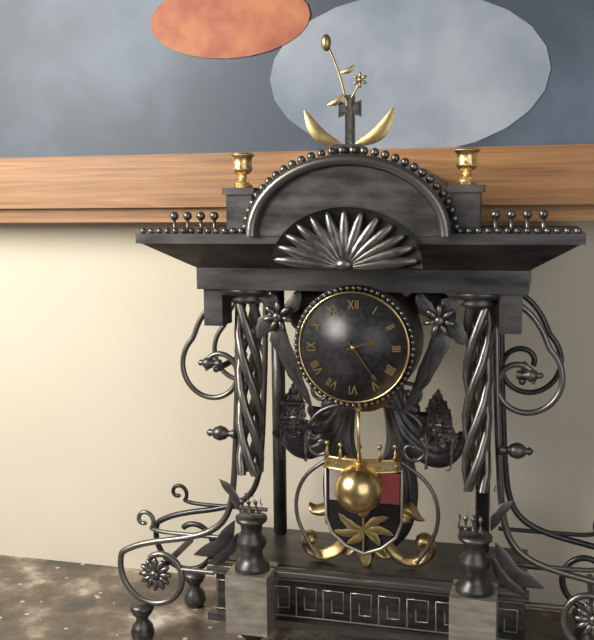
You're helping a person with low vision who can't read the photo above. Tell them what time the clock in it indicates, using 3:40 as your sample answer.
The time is 2:24
